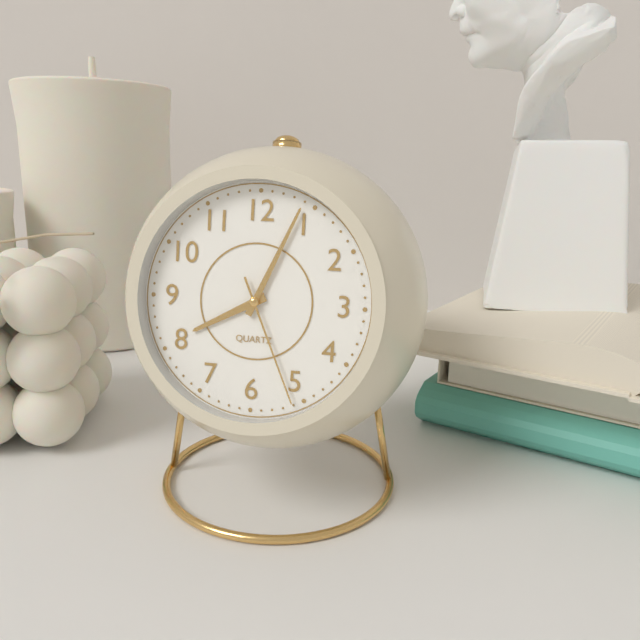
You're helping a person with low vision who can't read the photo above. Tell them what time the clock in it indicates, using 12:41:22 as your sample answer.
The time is 8:04:26
